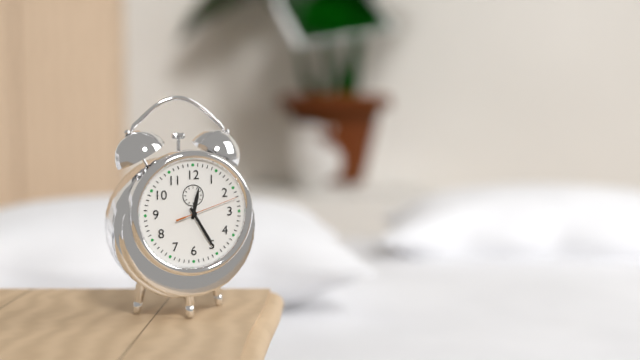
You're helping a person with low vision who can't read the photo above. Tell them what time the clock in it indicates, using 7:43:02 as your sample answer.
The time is 12:25:12
